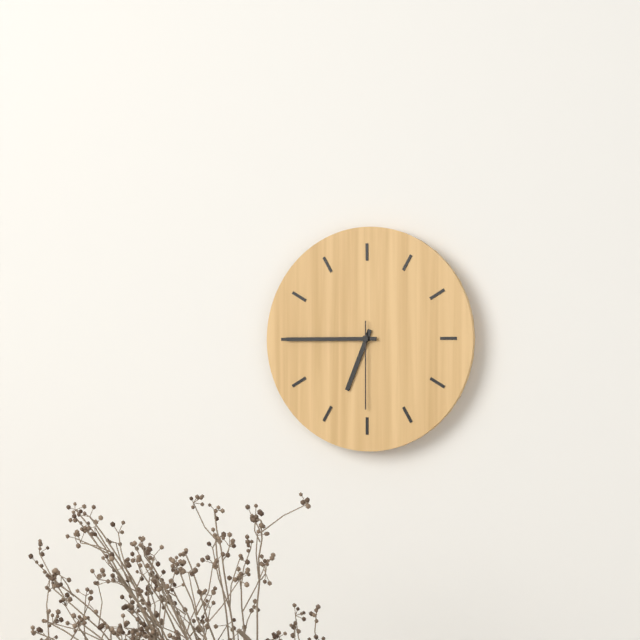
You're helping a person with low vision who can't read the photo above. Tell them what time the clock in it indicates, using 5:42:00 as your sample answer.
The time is 6:45:30
